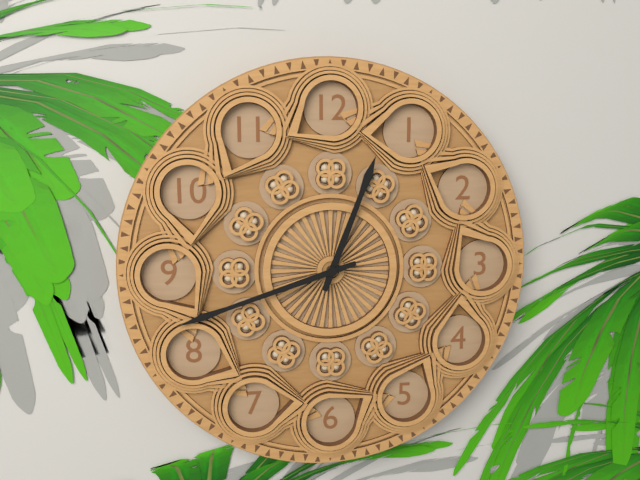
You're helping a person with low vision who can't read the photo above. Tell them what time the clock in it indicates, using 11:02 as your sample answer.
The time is 12:42
